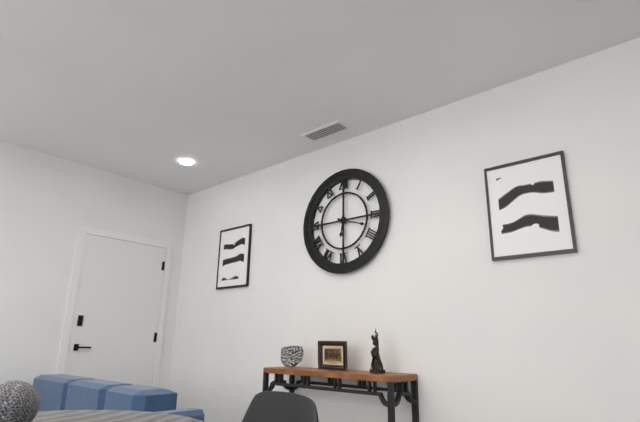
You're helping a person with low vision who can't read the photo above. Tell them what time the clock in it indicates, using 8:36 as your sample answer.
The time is 6:18
